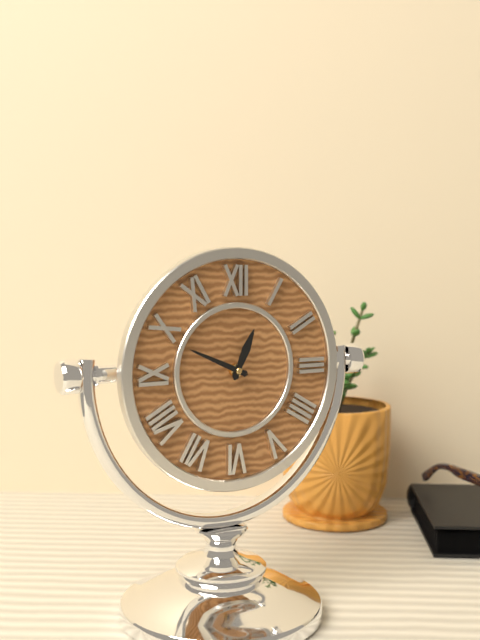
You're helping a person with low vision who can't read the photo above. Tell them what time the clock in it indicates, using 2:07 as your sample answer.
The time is 12:49
